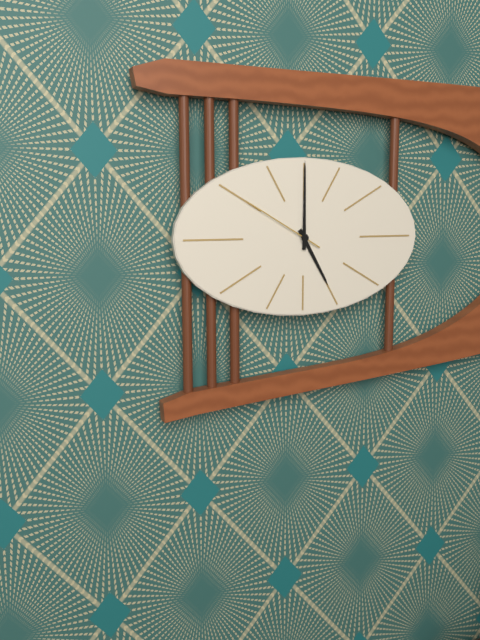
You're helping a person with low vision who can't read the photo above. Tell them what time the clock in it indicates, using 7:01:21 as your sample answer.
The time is 5:00:50
